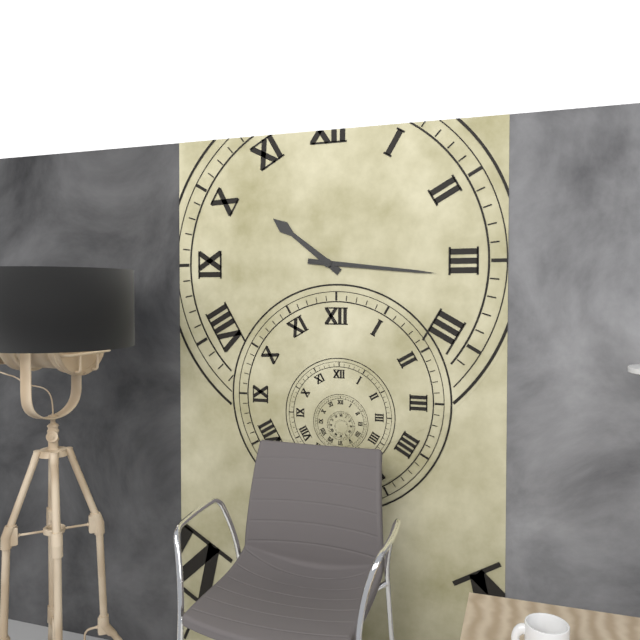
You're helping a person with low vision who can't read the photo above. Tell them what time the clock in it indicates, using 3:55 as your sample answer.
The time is 10:16
